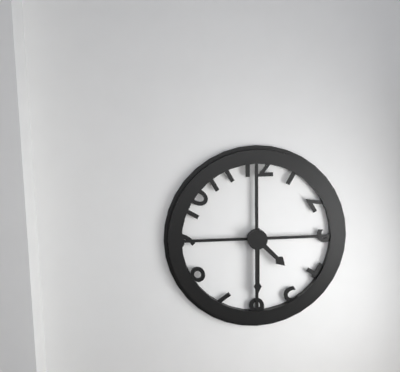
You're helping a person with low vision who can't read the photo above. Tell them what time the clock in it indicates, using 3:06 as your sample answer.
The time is 4:30
